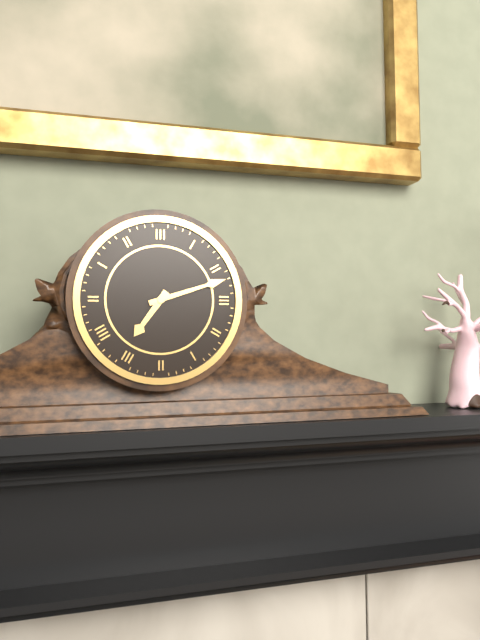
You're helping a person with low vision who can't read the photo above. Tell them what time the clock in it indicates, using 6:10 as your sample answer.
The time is 7:12
